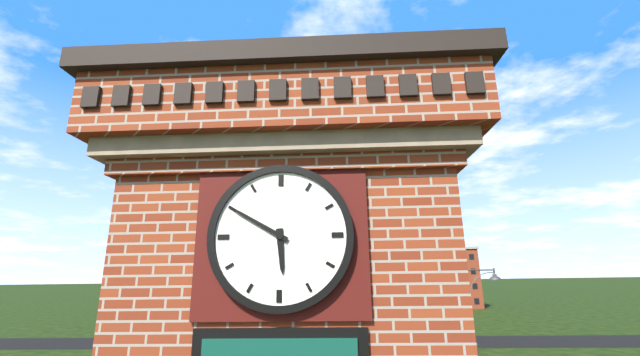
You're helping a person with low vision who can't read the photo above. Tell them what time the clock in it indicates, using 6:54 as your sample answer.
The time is 5:50
